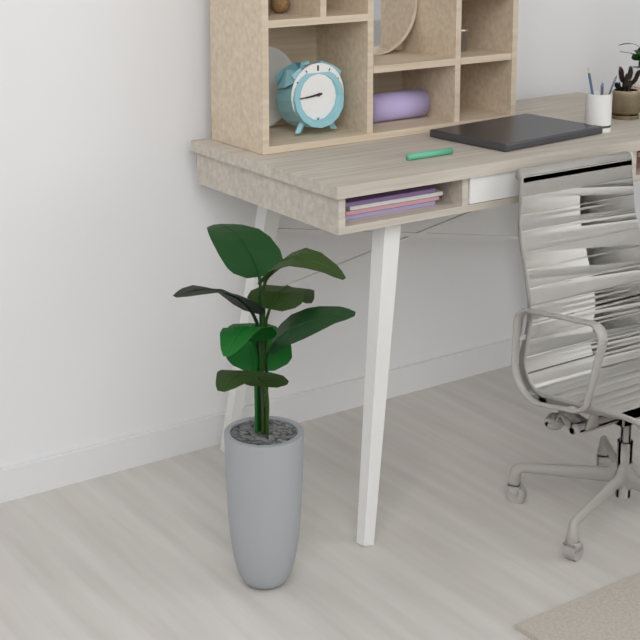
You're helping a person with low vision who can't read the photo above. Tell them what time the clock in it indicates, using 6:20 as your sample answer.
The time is 8:44
